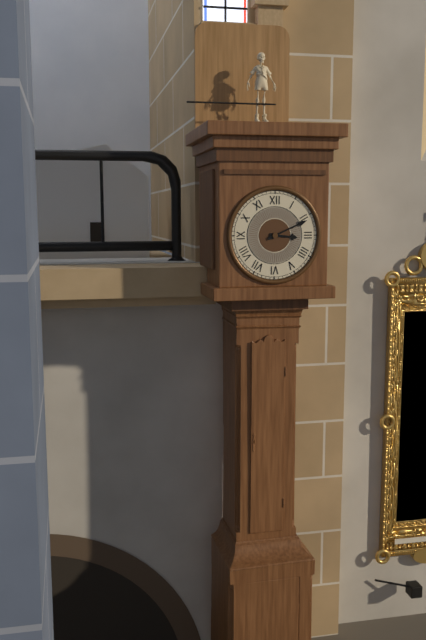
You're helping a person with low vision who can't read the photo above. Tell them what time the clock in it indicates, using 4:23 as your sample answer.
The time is 3:11
